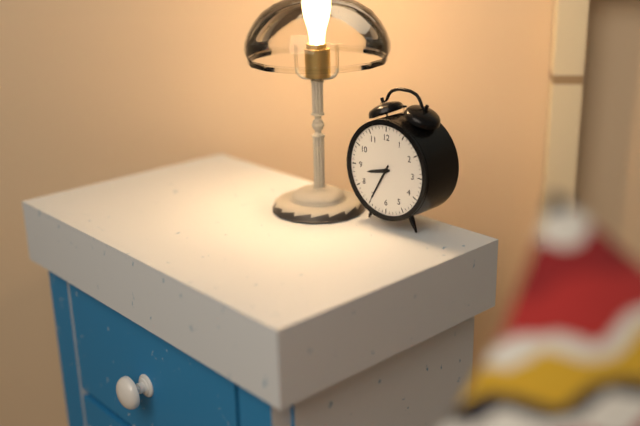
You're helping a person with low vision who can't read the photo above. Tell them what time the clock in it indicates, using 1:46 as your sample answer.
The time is 8:35
